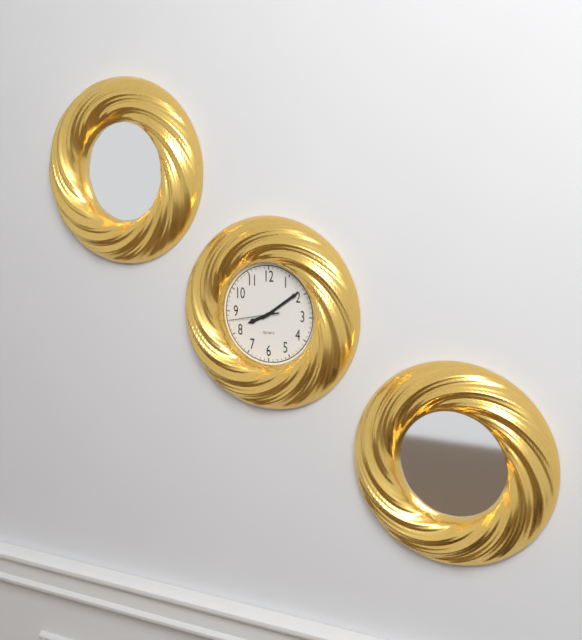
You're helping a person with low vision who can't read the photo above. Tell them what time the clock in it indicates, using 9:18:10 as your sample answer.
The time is 8:09:43
